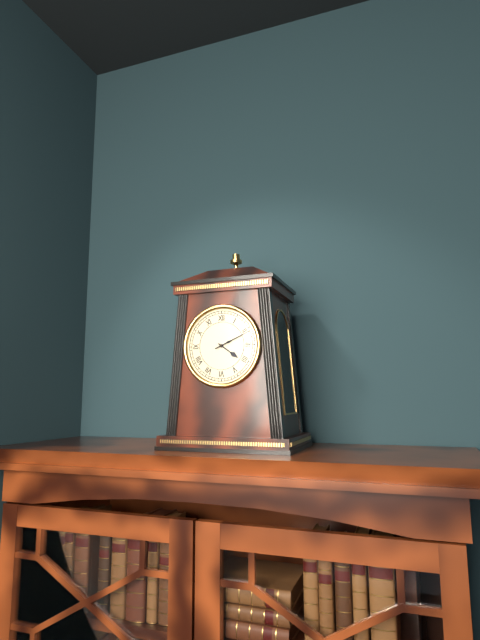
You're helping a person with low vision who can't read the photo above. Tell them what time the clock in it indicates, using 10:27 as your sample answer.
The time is 4:11
